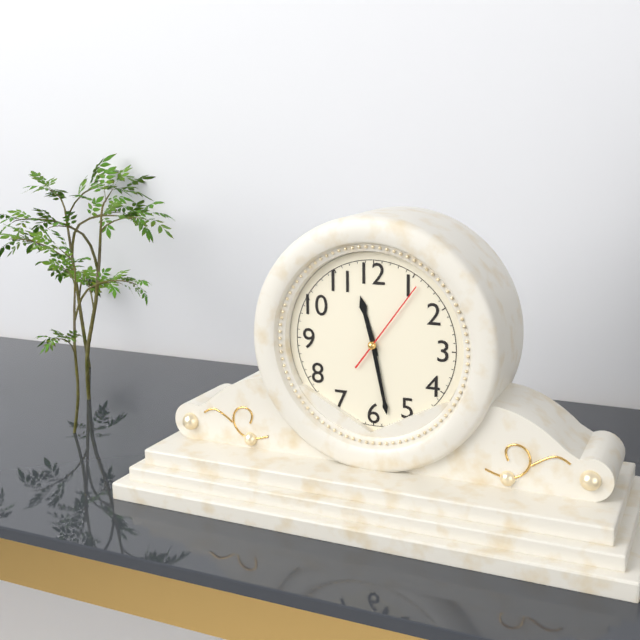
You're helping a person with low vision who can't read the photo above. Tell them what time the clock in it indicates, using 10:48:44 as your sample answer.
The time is 11:28:06
